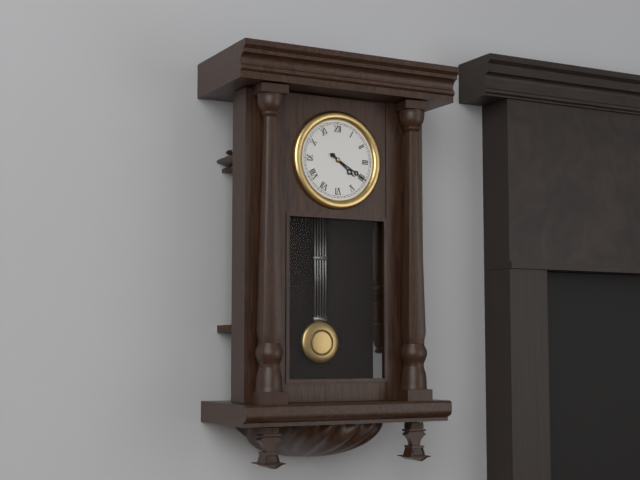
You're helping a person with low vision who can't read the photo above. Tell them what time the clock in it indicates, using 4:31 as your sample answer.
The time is 4:20
